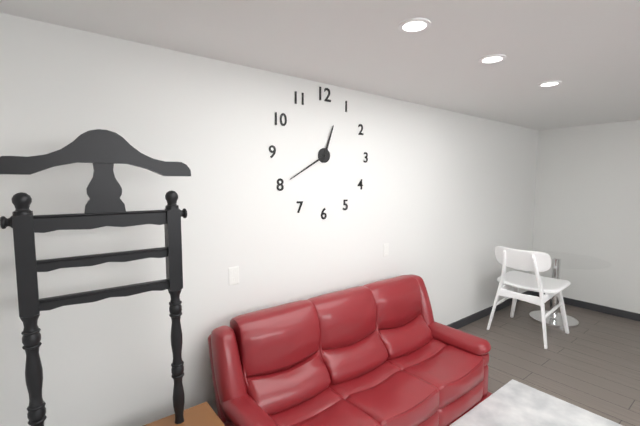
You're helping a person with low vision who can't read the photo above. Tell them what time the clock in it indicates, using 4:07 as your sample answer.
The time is 12:40
